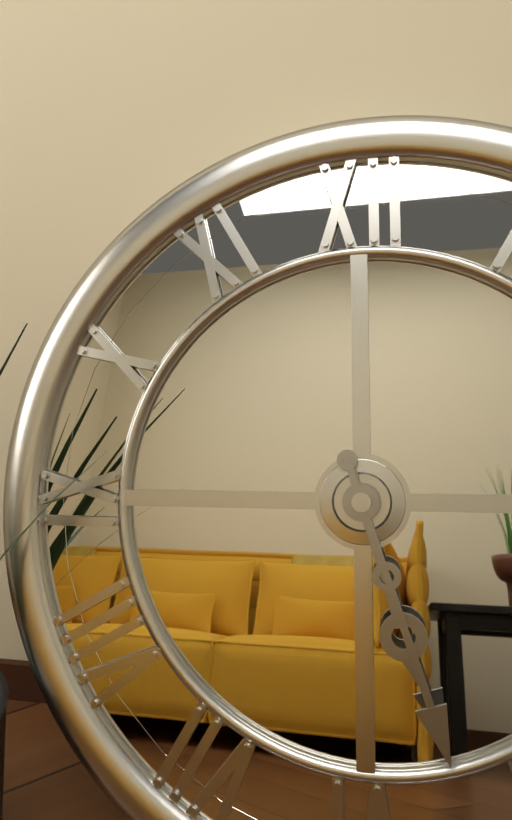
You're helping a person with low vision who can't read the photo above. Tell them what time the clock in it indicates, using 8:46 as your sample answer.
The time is 5:27
